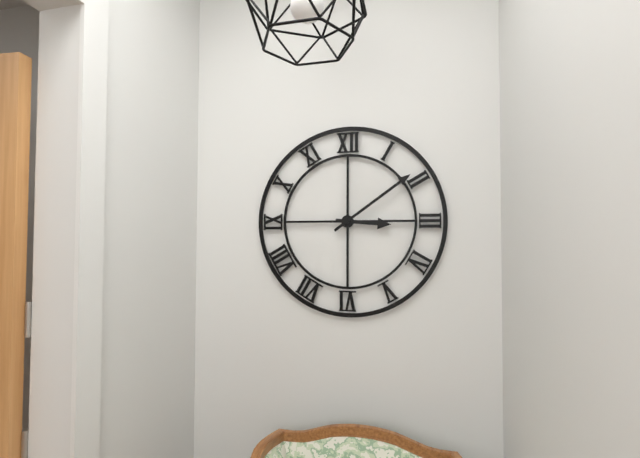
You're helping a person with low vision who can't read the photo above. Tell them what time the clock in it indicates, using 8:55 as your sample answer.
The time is 3:09
